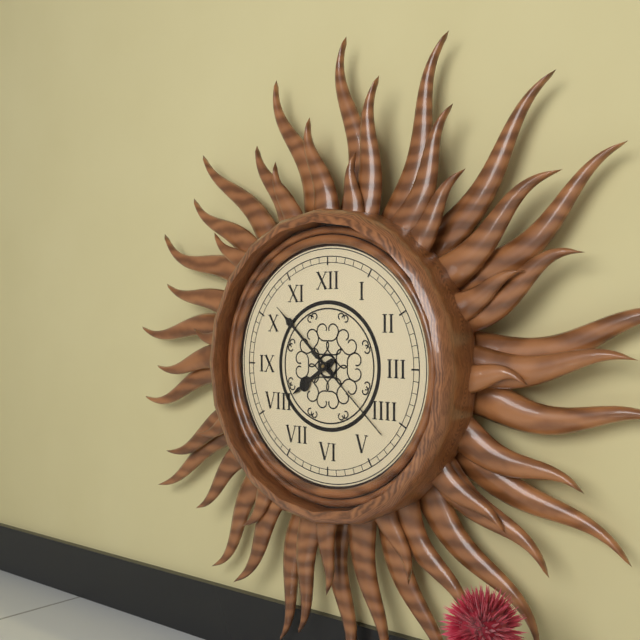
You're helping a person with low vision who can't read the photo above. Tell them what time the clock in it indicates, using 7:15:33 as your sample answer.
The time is 7:52:22
